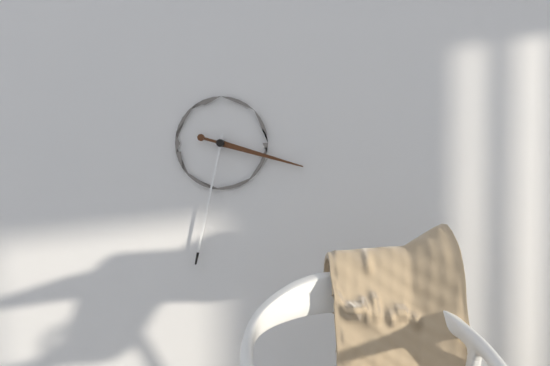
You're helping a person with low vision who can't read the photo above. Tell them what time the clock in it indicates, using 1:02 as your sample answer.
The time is 3:32
